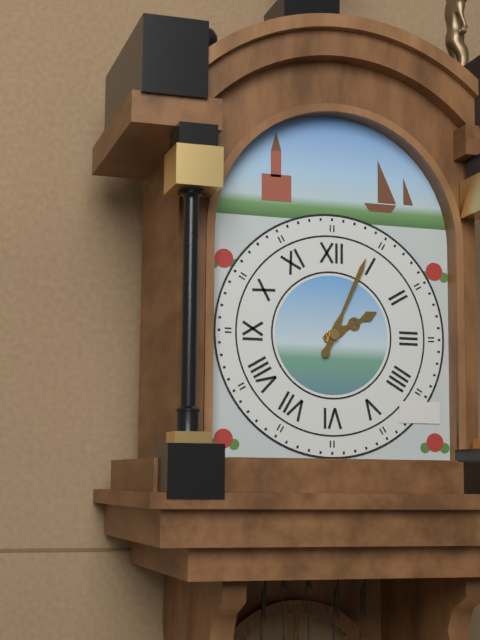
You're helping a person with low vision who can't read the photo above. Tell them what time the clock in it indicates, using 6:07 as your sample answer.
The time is 2:04
